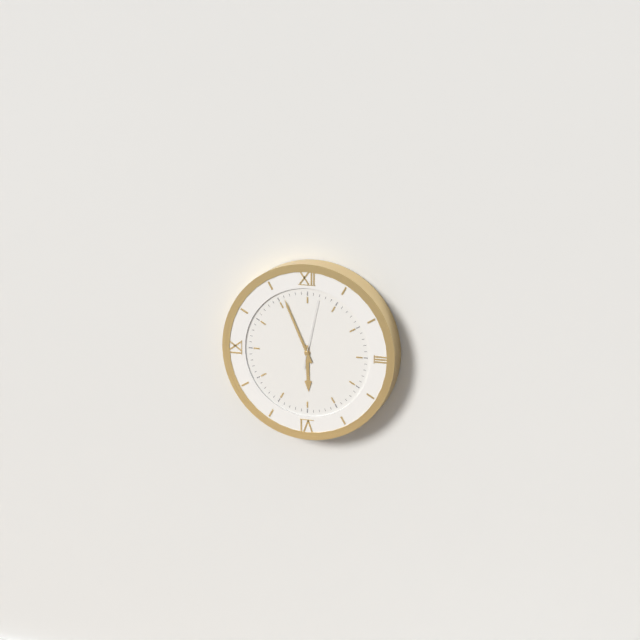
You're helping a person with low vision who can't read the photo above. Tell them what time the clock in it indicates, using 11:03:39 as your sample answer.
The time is 5:56:02
